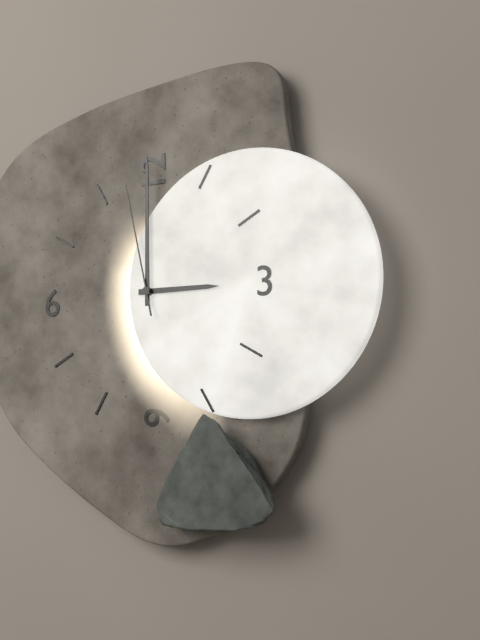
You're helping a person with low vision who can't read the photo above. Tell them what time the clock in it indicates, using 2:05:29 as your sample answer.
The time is 3:00:58
